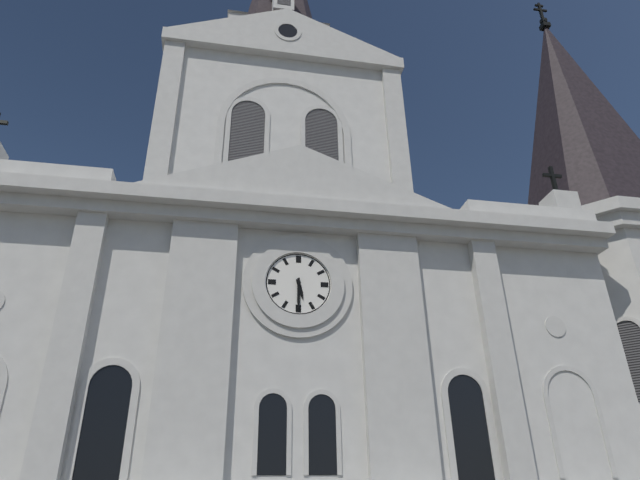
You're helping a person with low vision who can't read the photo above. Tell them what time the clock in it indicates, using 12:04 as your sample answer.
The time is 5:30
